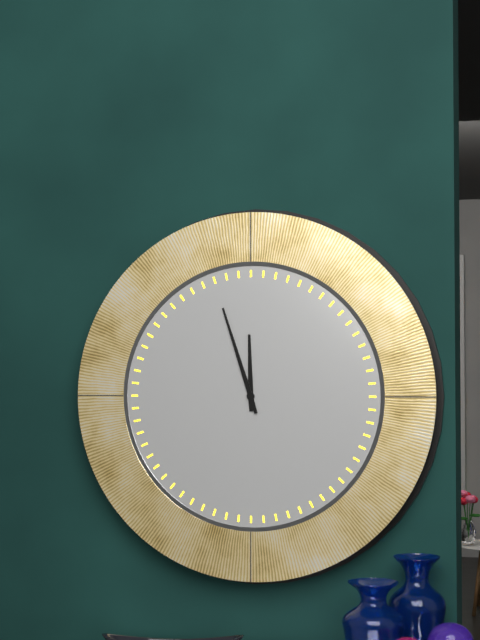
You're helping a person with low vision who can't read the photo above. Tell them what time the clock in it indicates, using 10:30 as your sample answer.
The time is 11:57
